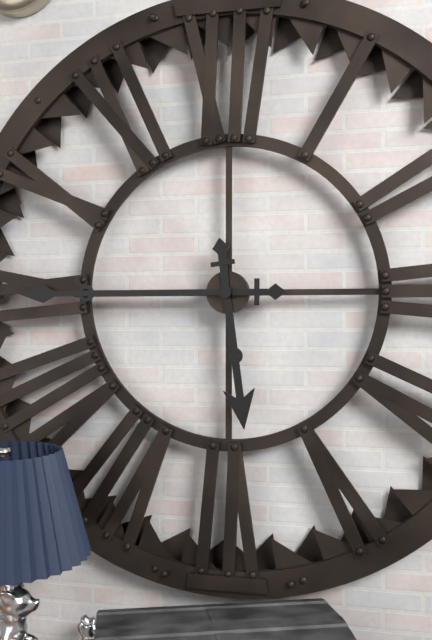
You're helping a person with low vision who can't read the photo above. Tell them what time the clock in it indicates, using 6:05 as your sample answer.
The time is 5:45
